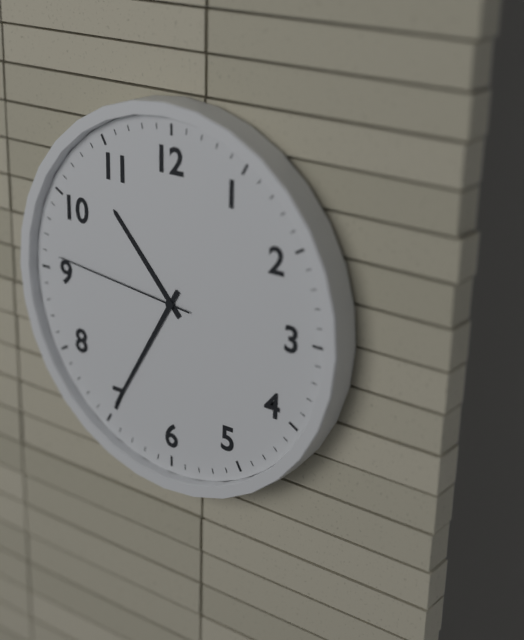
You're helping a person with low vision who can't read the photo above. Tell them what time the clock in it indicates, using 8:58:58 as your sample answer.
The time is 10:35:46
